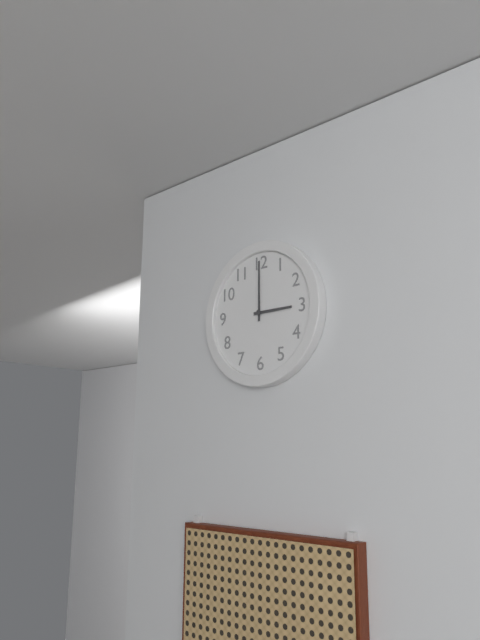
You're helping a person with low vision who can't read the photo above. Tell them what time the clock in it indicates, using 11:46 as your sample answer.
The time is 3:00
